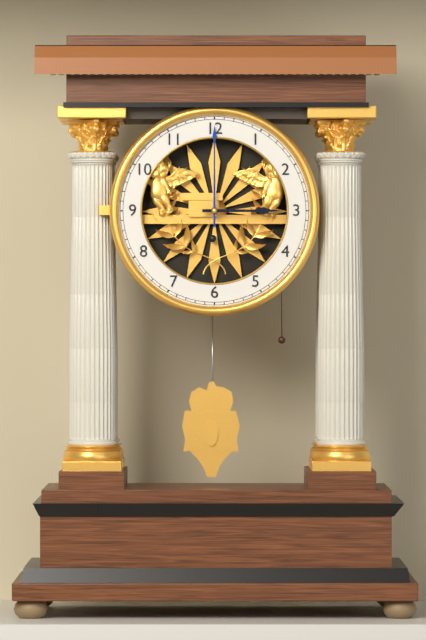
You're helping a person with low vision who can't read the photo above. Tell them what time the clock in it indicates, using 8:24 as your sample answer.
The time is 3:00
